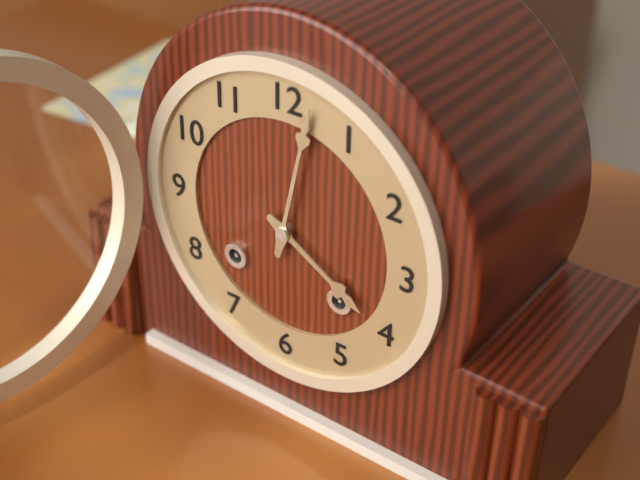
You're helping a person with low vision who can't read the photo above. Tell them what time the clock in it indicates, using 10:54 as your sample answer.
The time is 4:02
